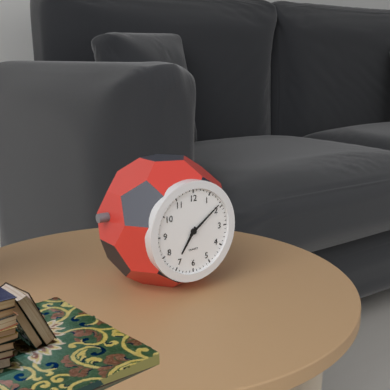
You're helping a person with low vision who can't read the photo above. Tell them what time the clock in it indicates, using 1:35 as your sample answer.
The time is 7:09
